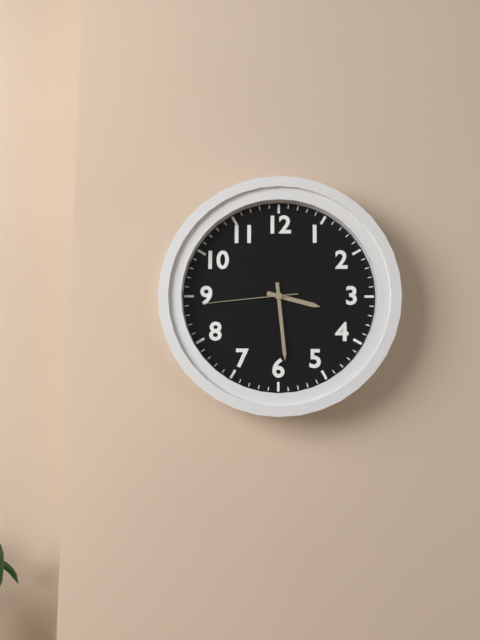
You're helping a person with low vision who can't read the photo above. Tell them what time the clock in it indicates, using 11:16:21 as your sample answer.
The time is 3:29:44
